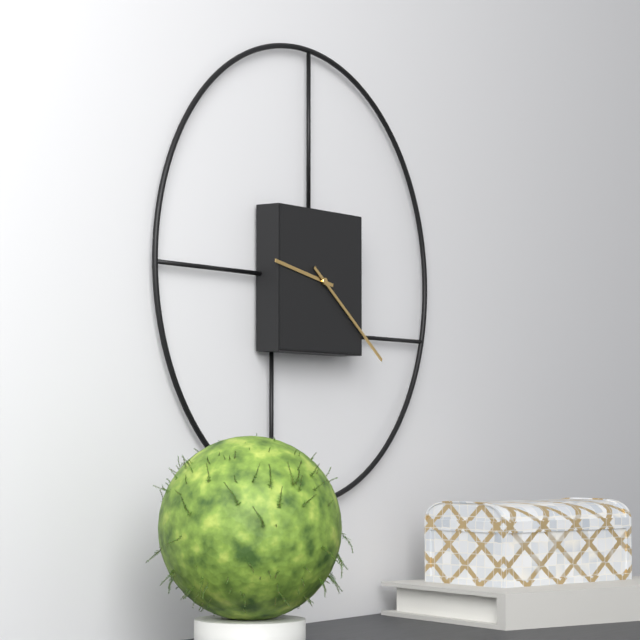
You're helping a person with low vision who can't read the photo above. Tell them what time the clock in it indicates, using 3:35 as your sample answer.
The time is 9:21
